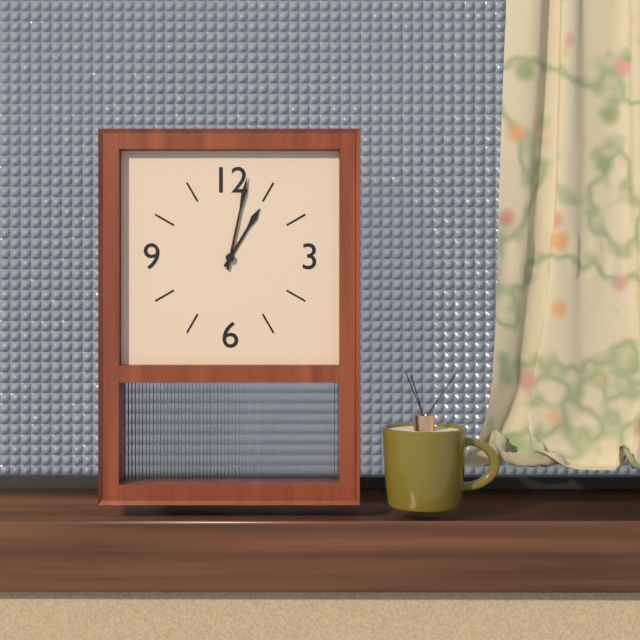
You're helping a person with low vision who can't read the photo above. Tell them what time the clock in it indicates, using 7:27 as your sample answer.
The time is 1:02
